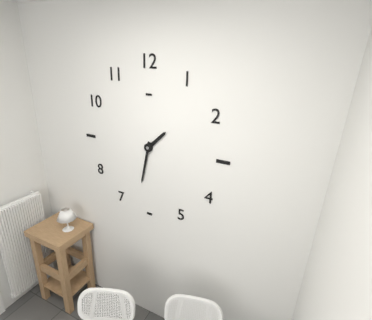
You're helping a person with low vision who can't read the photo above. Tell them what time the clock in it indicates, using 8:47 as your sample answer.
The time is 1:32
